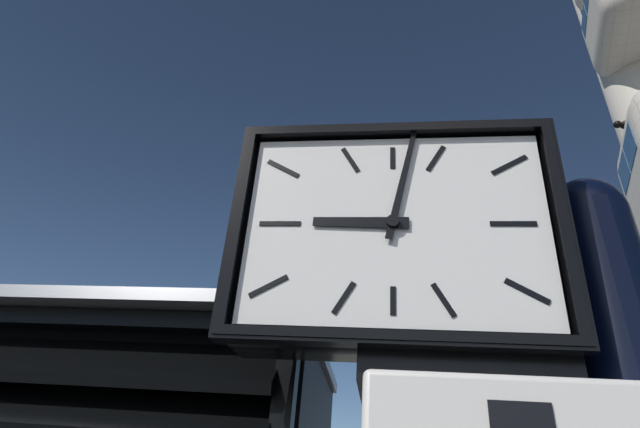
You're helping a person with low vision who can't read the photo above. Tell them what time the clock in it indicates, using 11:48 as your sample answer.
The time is 9:02
